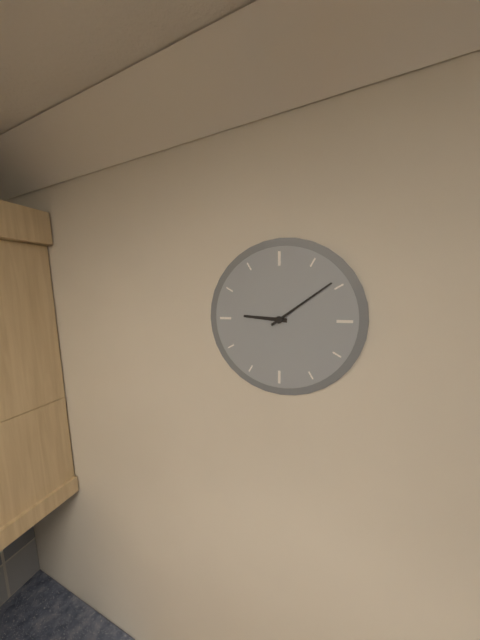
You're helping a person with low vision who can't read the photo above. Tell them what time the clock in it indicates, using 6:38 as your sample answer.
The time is 9:09
